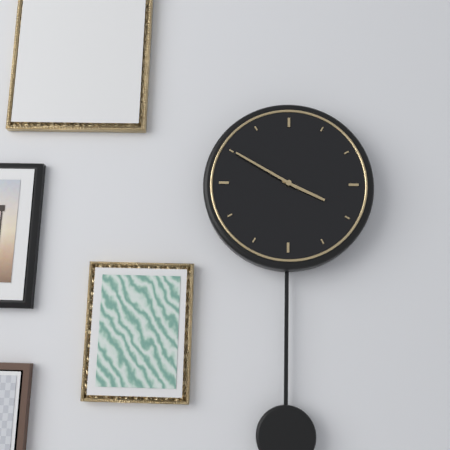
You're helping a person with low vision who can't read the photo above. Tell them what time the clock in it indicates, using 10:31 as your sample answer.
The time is 3:50
